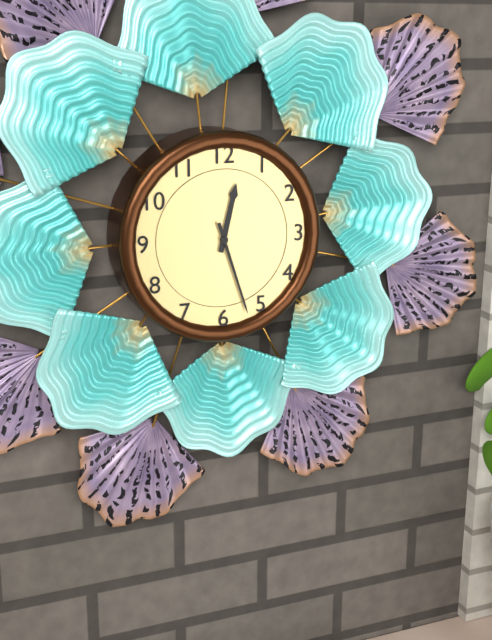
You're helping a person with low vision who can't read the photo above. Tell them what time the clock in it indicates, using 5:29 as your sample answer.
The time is 12:27
